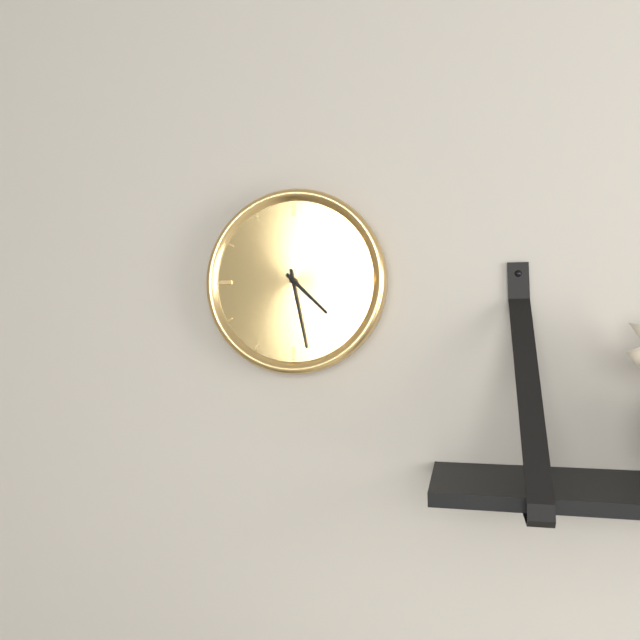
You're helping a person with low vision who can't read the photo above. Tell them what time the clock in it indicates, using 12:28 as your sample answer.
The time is 4:28
